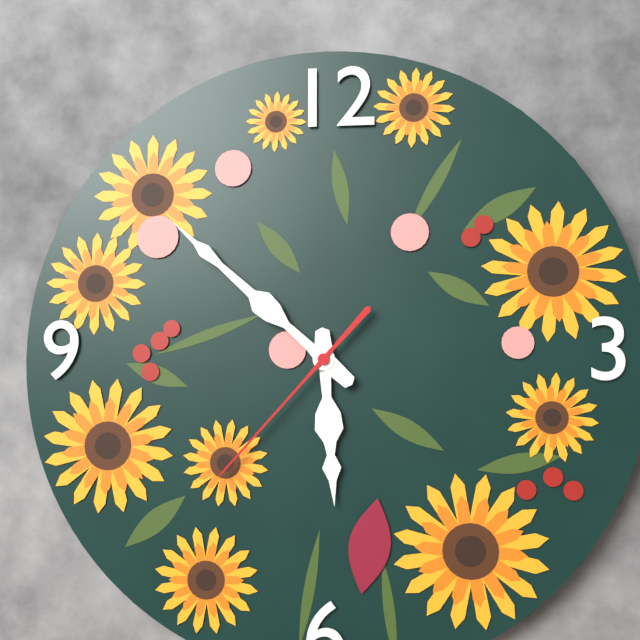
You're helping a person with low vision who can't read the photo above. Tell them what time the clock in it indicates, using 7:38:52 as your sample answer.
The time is 5:52:37
